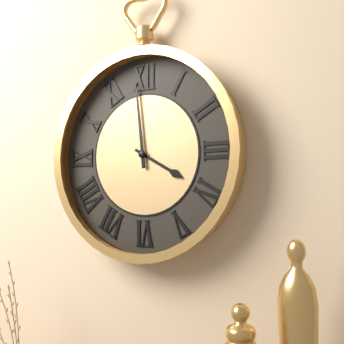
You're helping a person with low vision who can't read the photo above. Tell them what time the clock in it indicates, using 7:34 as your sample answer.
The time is 3:59
